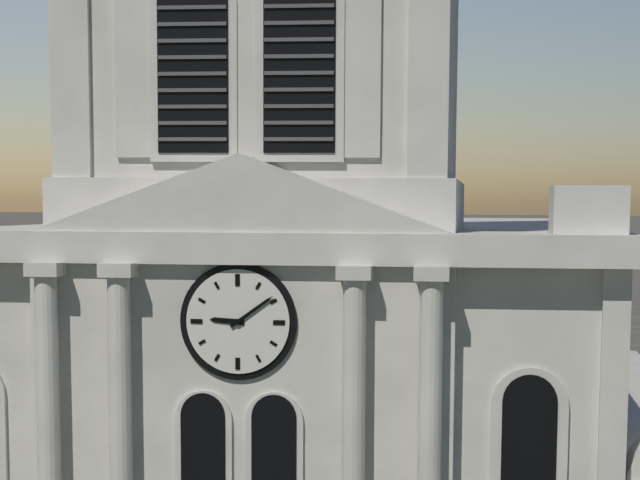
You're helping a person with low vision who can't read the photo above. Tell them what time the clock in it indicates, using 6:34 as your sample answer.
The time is 9:09
